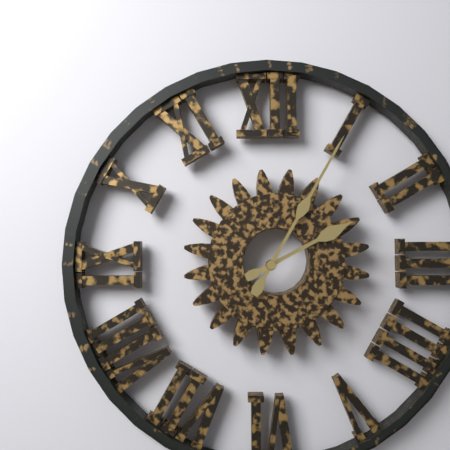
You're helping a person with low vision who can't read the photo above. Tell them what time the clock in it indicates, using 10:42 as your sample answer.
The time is 2:05
